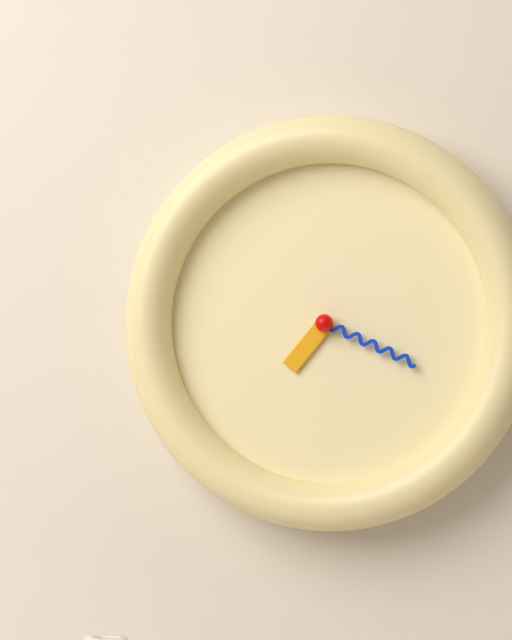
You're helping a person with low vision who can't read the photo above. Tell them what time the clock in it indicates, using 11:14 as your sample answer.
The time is 7:19
